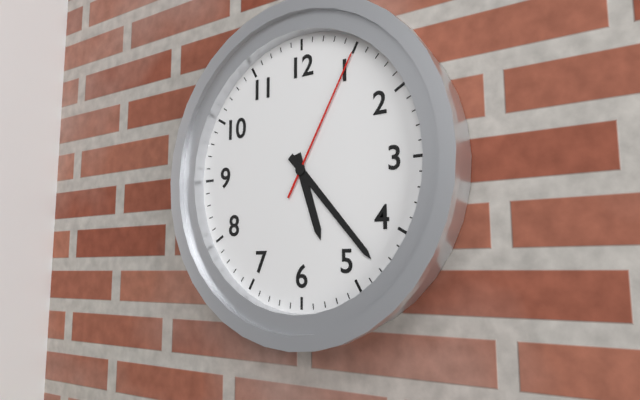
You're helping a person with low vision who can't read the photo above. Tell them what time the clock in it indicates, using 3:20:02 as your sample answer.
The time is 5:23:05
